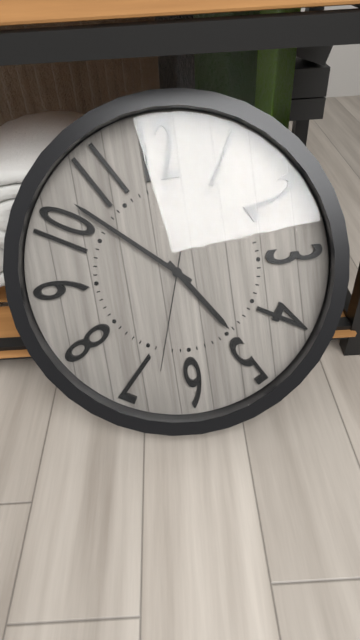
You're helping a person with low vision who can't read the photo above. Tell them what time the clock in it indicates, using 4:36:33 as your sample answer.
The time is 4:52:33
